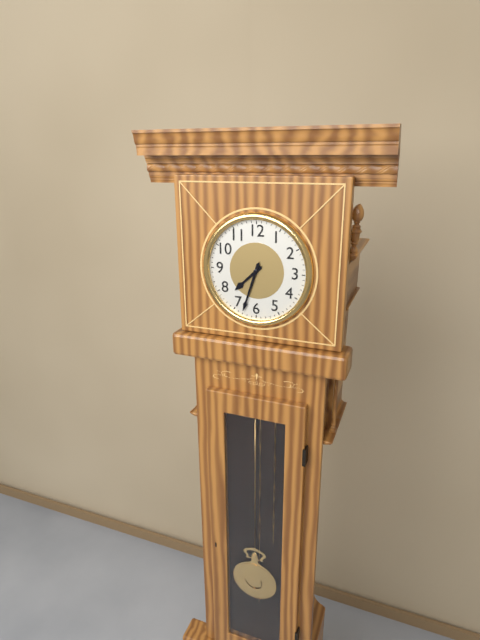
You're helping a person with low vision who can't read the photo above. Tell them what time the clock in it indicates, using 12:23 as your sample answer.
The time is 7:33
